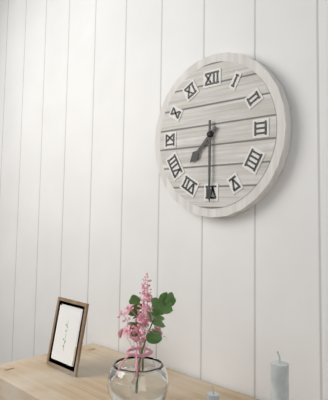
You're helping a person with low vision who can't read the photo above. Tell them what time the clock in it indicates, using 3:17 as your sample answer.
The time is 7:30
